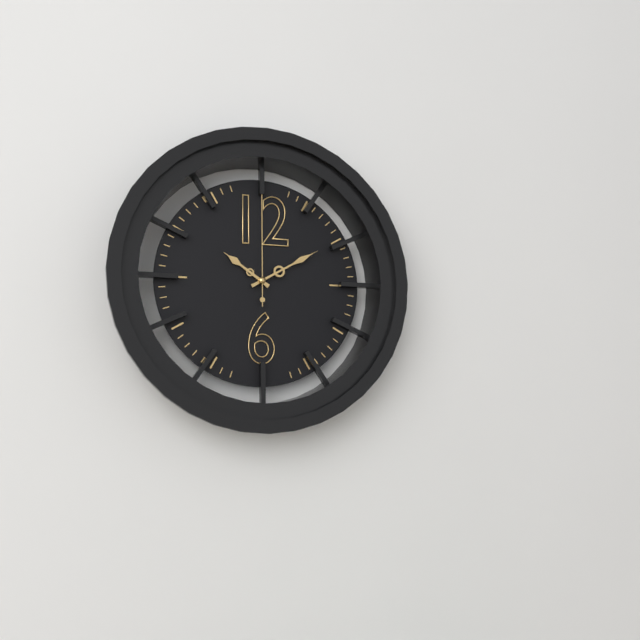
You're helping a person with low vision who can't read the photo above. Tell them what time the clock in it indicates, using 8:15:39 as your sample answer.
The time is 10:10:00
